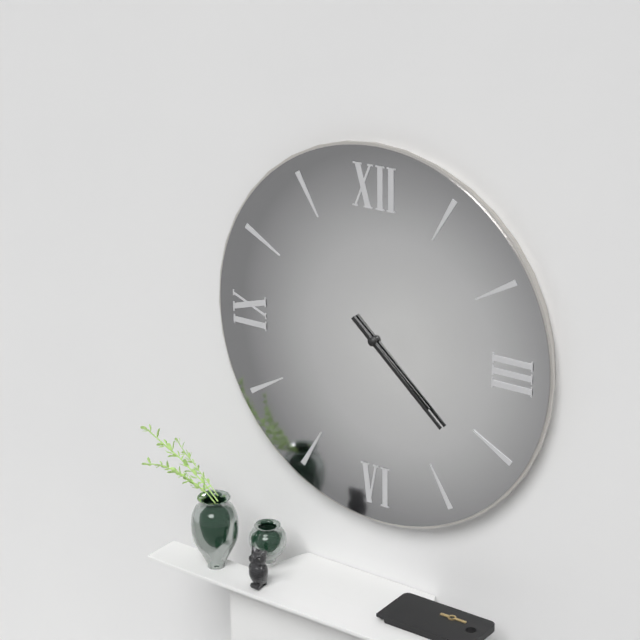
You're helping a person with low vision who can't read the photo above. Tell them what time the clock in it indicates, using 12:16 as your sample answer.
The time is 4:22
